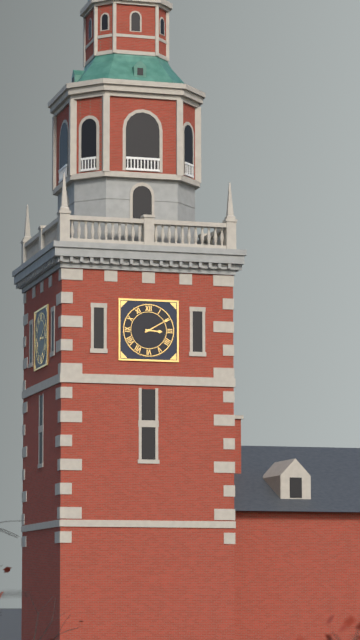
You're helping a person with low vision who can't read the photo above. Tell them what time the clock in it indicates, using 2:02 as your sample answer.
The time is 3:10
